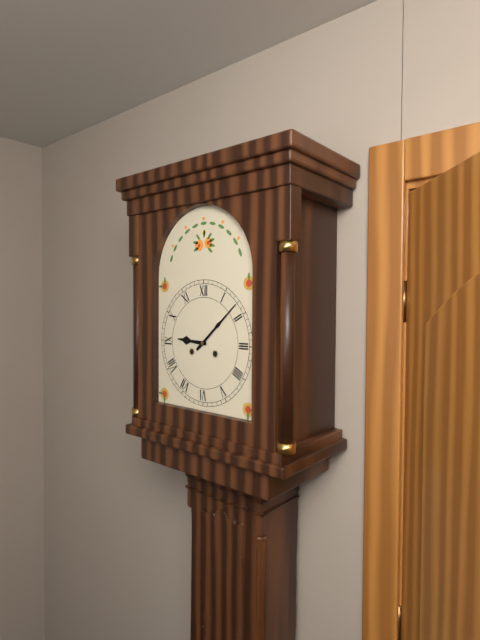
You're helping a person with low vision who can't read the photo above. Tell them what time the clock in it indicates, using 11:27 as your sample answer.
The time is 9:08
